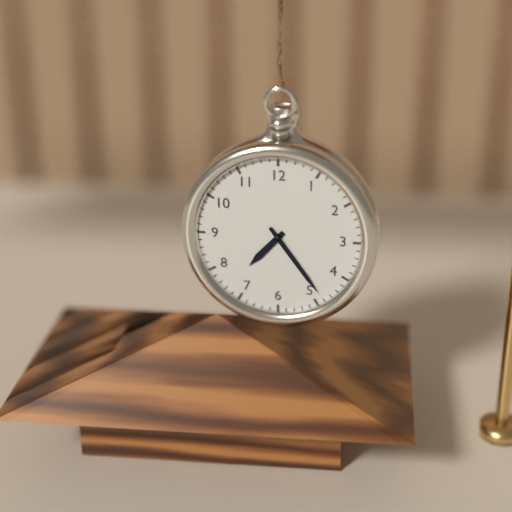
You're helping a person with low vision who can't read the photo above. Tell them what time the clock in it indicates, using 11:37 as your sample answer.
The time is 7:24
